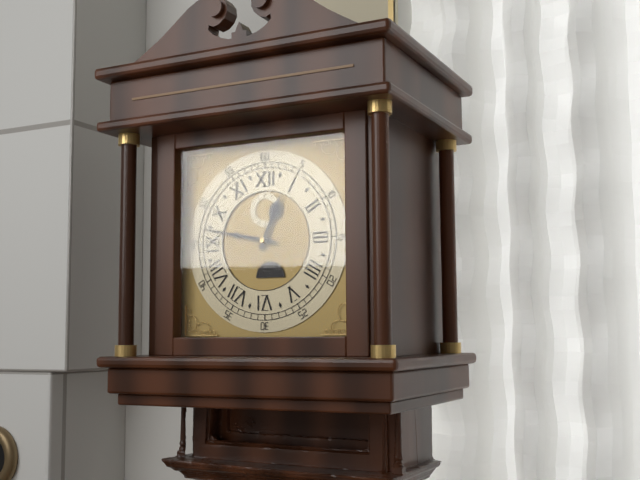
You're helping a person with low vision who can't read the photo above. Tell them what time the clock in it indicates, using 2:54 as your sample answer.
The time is 12:47
